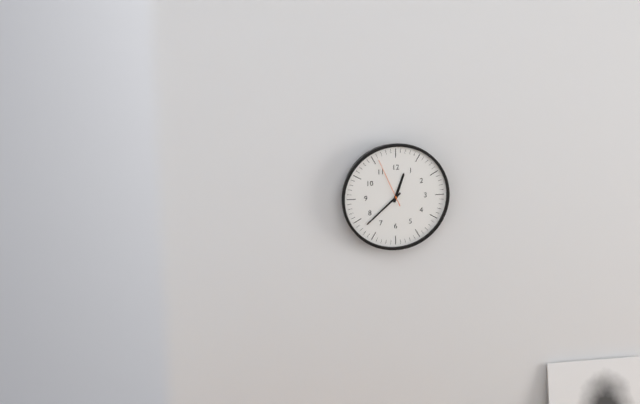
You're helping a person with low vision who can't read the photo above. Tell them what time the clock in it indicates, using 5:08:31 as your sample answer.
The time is 12:38:56
